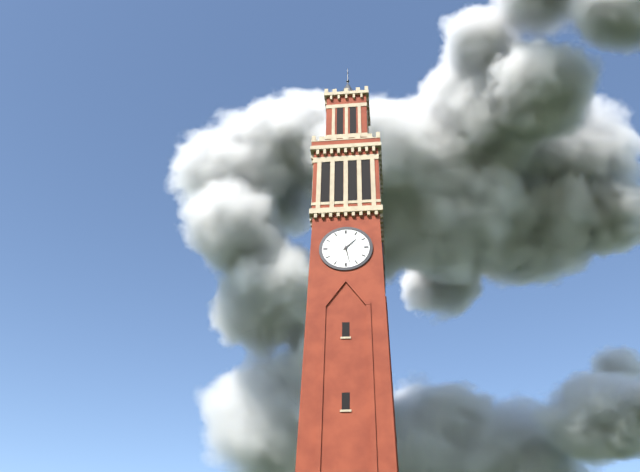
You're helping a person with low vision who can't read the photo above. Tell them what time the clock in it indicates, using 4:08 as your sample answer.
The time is 1:28
